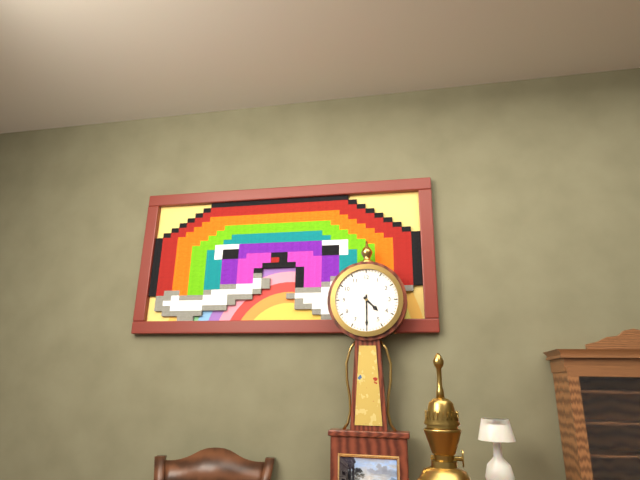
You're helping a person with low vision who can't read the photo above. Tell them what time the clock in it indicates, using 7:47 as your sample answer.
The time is 4:30
